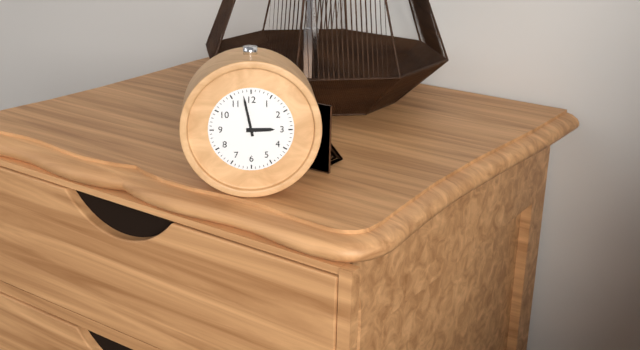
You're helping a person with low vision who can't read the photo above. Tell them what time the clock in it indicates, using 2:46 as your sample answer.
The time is 2:58
